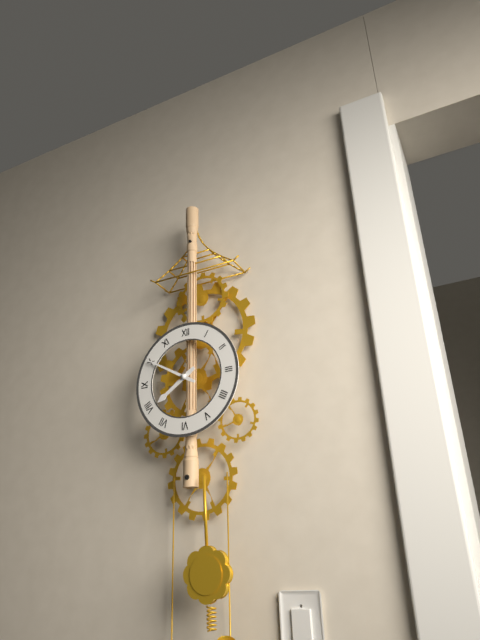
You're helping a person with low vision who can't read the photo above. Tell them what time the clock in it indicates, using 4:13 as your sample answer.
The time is 7:50
